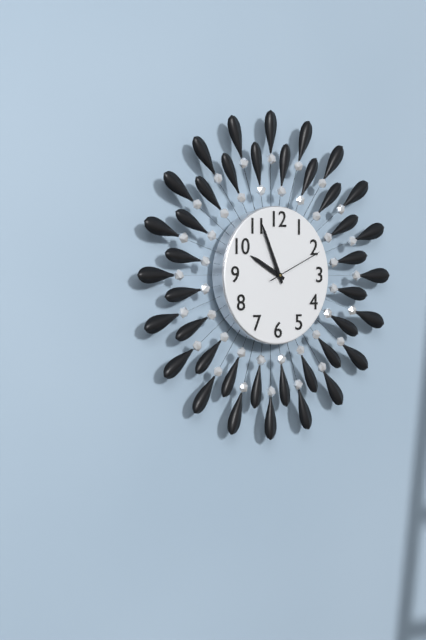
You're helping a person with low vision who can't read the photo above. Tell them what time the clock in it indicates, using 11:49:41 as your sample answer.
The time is 9:56:11
